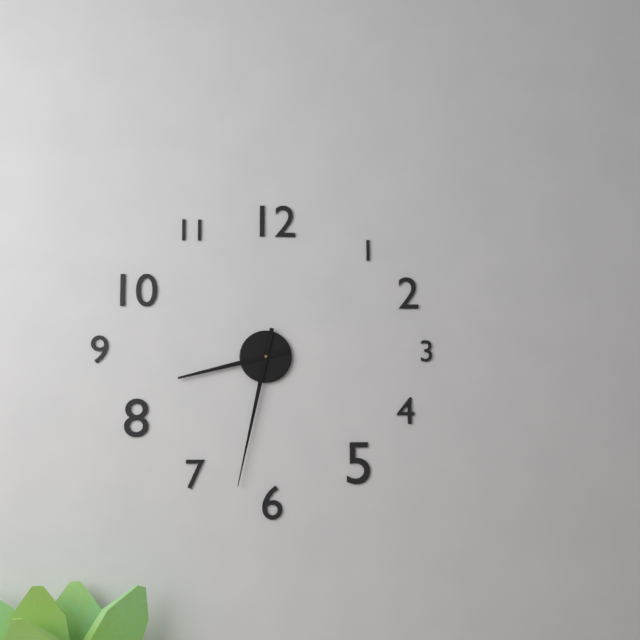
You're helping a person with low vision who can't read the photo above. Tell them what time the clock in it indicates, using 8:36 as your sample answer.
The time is 8:32
